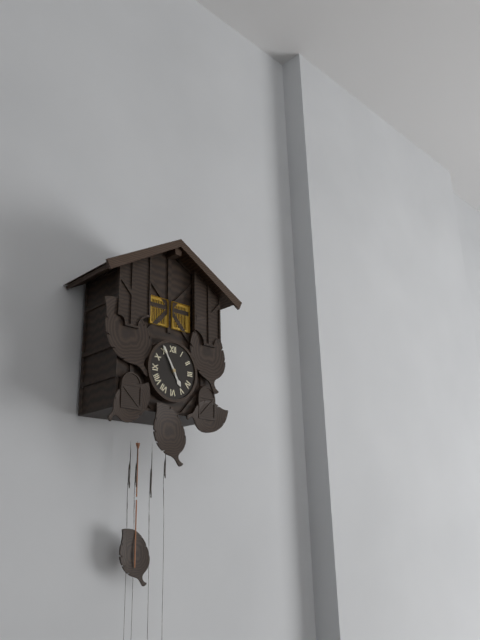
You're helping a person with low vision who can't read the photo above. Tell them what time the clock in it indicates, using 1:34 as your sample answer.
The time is 4:55
